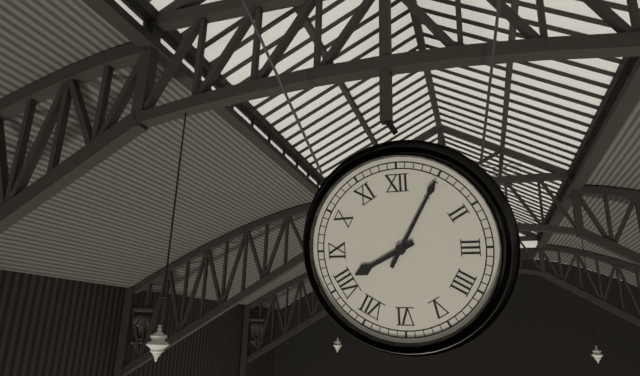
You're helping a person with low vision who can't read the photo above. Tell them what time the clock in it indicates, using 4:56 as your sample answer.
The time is 8:05
